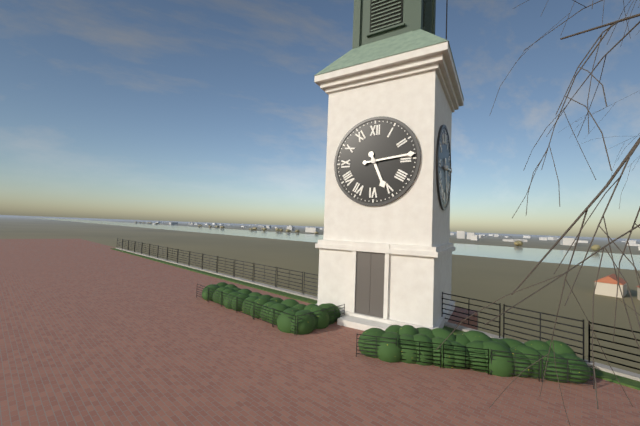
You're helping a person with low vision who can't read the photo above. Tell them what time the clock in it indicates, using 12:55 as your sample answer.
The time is 5:14
